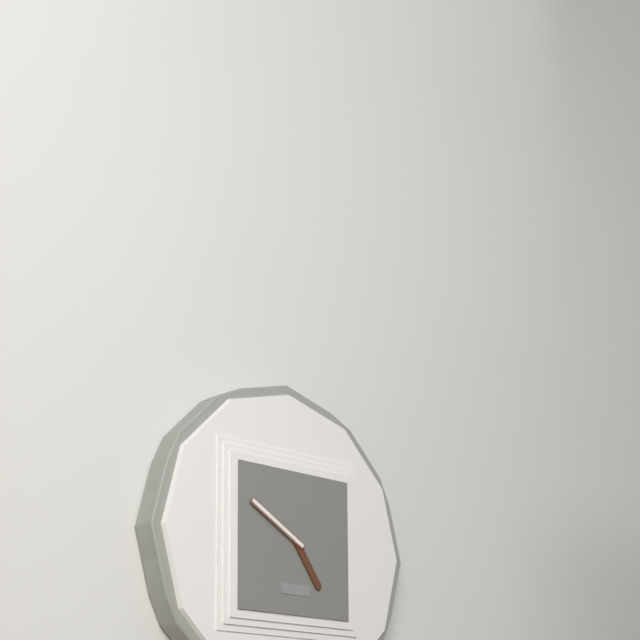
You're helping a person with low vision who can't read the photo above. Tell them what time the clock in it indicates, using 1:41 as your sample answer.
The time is 4:50
